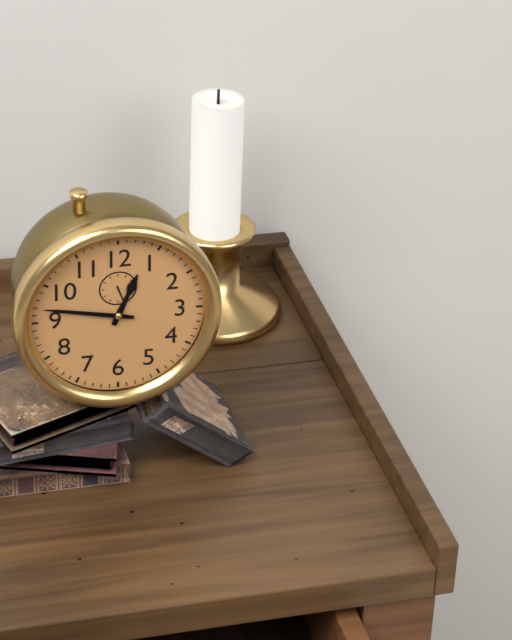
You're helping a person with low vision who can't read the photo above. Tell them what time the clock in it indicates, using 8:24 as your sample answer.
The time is 12:47
